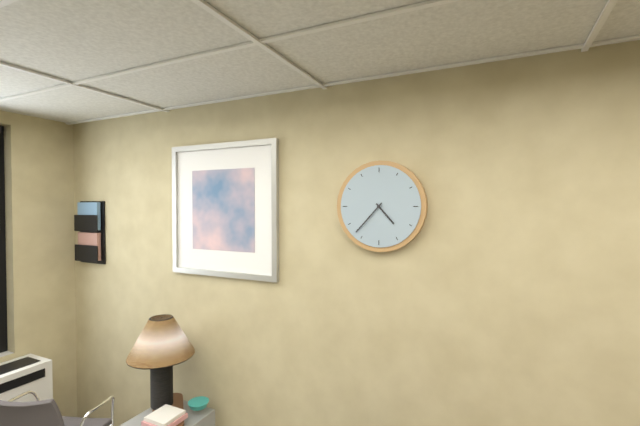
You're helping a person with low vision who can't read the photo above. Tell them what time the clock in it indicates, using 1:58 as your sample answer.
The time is 4:37
